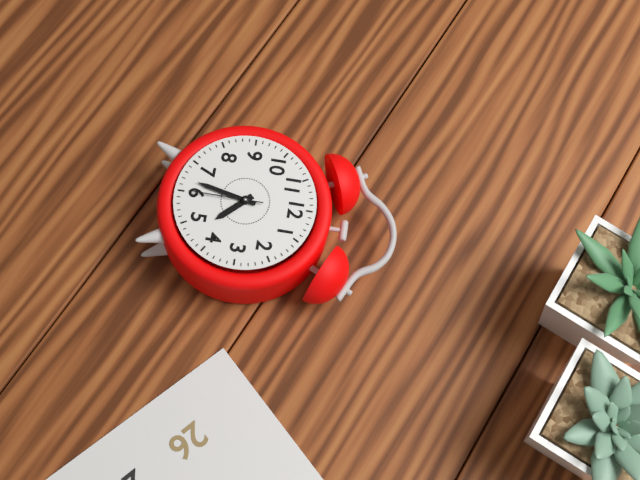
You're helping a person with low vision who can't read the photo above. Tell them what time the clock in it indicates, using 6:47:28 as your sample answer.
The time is 4:32:30
